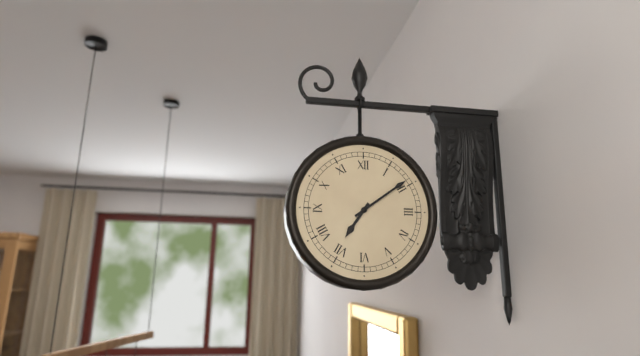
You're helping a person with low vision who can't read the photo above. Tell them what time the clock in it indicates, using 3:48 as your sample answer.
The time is 7:09
